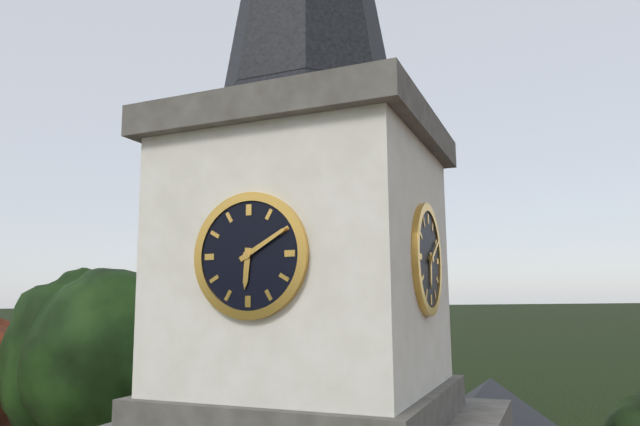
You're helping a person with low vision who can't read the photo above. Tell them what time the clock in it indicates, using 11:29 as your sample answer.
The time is 6:10
